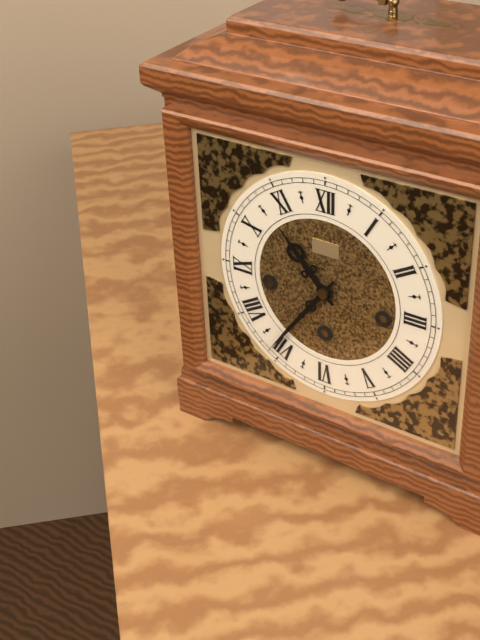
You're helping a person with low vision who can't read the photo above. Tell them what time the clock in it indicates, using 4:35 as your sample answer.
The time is 10:36
